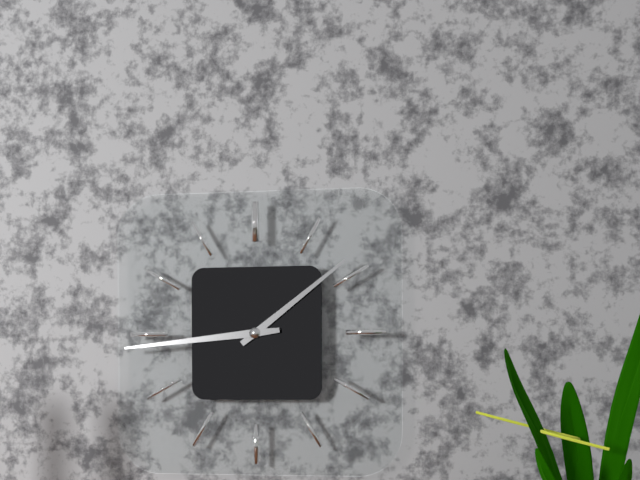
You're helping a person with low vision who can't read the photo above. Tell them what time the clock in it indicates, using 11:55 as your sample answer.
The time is 1:44
